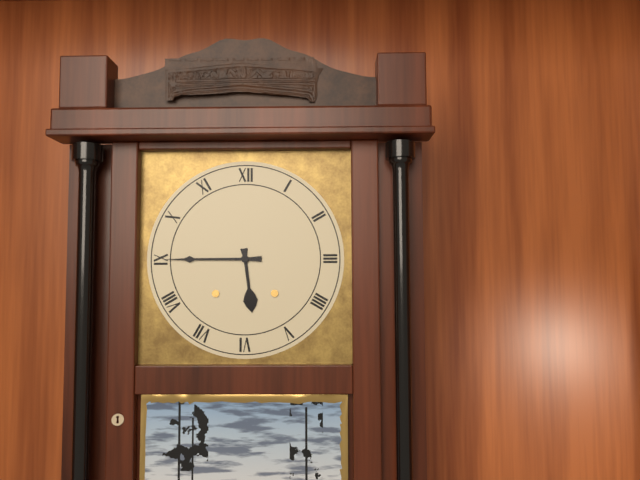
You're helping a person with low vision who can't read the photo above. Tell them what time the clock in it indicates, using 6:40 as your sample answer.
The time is 5:45
